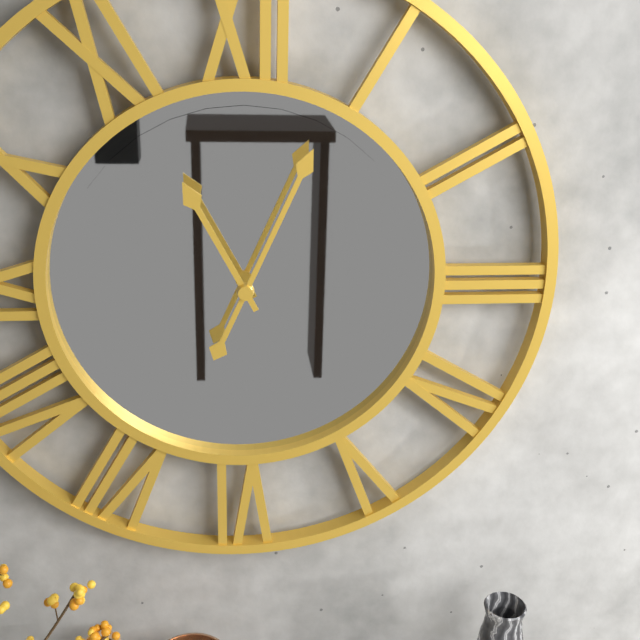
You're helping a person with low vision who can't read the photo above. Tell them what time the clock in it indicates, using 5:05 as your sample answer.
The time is 11:04
